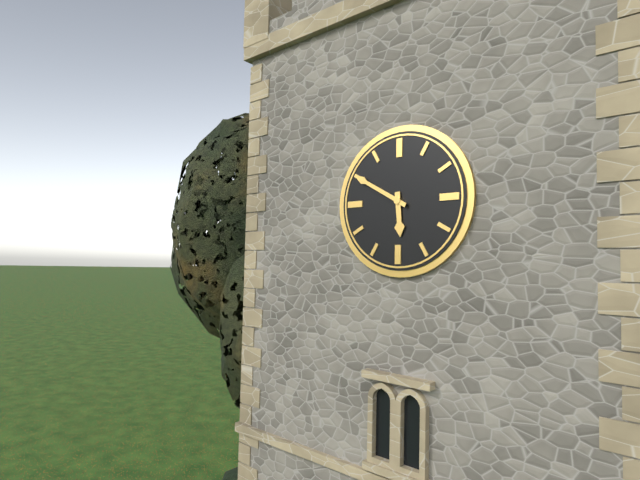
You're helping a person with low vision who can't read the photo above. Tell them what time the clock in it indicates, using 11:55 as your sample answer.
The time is 5:50
